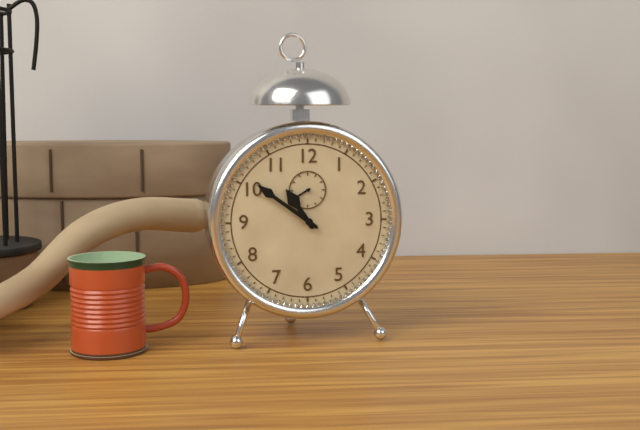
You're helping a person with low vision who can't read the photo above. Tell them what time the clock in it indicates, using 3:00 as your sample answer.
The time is 10:51
